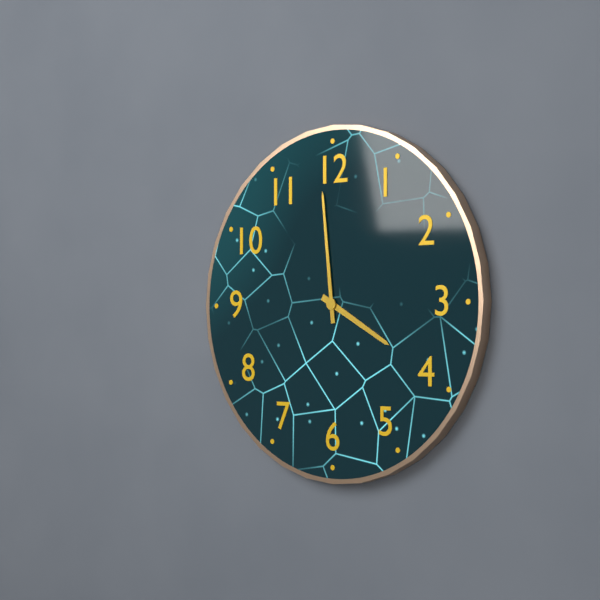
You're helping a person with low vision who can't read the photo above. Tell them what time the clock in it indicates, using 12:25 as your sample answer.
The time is 3:59
